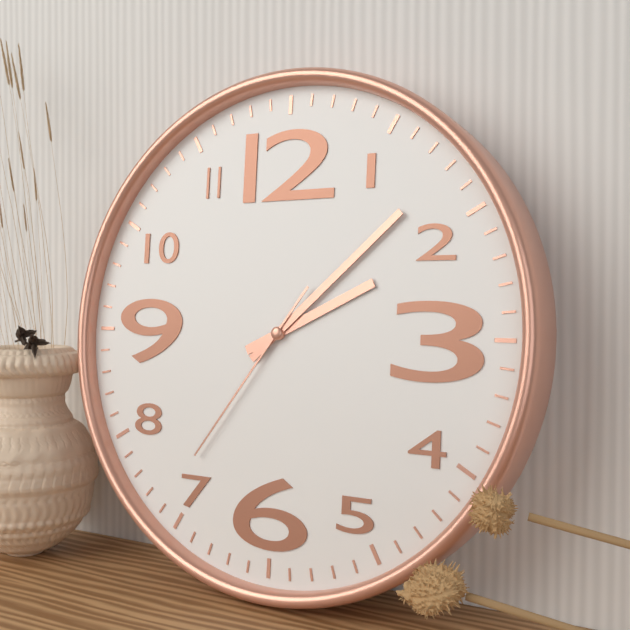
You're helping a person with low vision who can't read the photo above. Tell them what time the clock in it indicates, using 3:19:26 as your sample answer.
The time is 2:08:36
